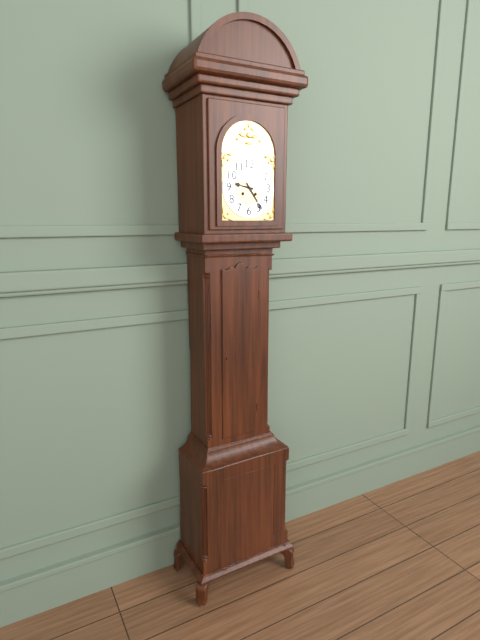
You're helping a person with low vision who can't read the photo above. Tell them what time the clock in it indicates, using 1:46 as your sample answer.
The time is 9:24
